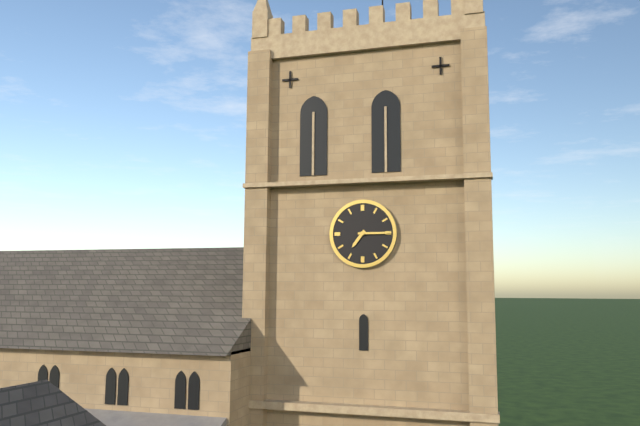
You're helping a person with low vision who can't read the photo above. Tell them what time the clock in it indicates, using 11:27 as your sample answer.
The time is 7:15
